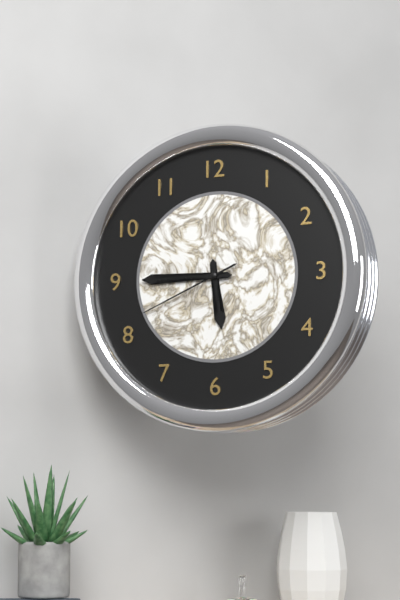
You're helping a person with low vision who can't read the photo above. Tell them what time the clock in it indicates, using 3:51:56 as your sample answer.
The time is 5:45:41
